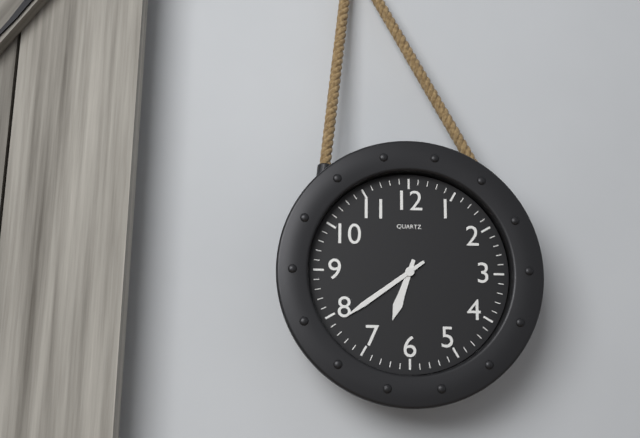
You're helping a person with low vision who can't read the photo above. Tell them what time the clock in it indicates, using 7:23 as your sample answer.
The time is 6:39
